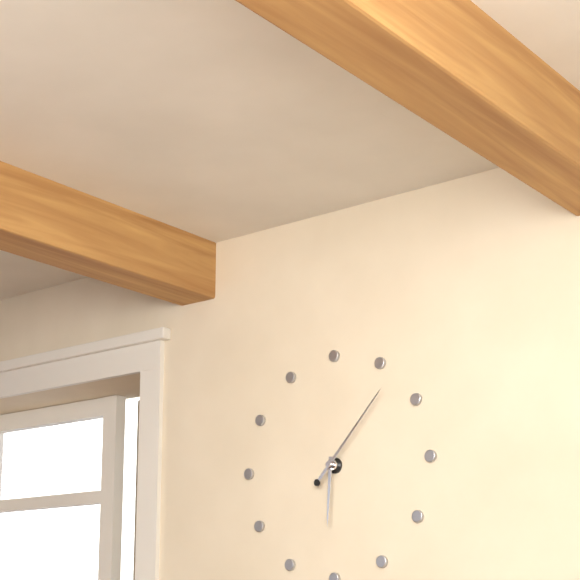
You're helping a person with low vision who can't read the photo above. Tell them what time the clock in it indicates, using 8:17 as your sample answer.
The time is 6:07
